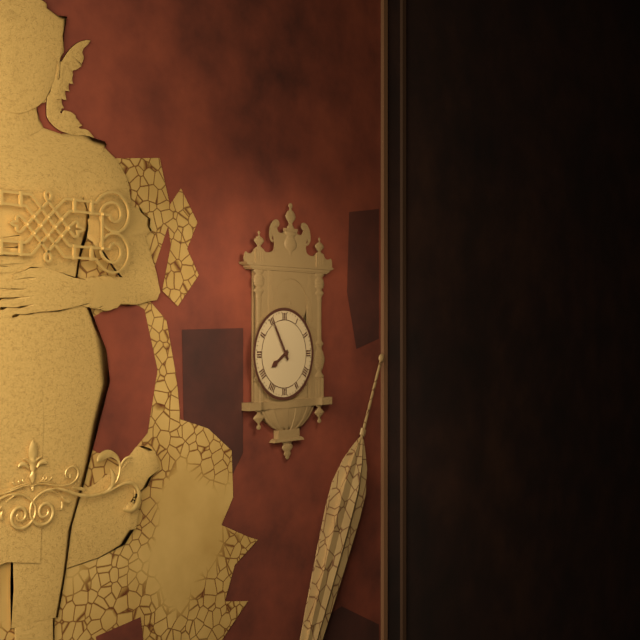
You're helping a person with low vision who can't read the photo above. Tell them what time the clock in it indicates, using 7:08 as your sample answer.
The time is 7:55
